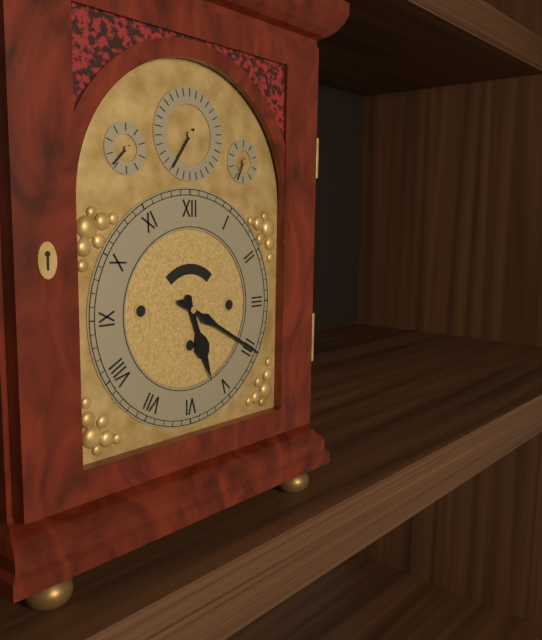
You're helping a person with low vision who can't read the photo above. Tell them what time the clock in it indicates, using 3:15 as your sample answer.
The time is 5:20
